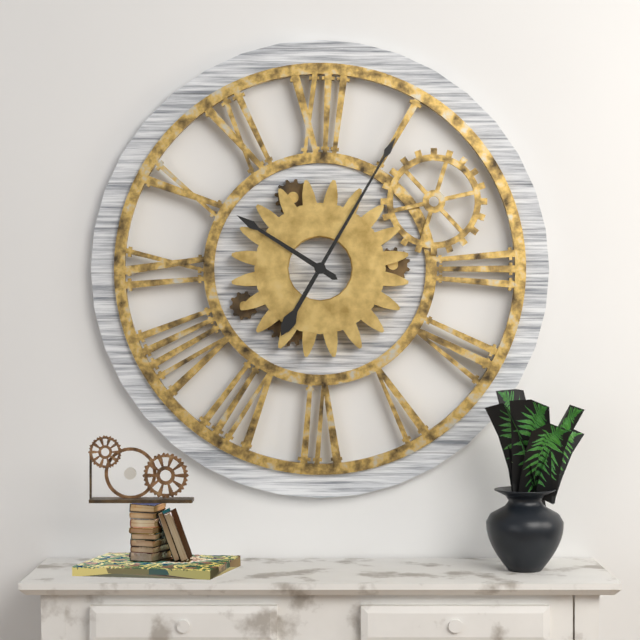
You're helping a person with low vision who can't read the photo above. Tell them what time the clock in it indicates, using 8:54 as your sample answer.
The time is 10:05
